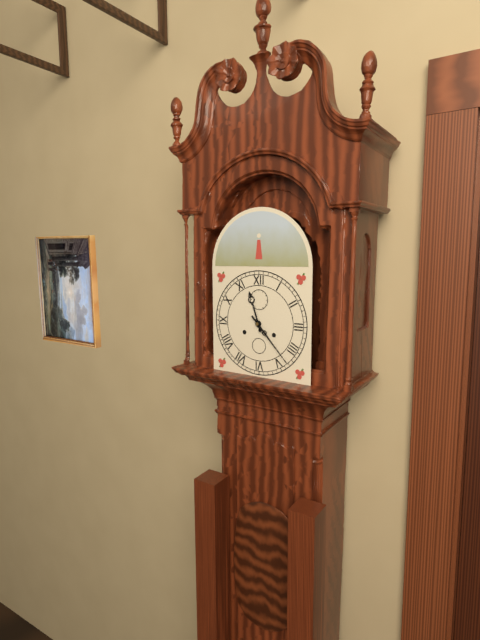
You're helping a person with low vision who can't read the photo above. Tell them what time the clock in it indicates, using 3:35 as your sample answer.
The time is 11:23
